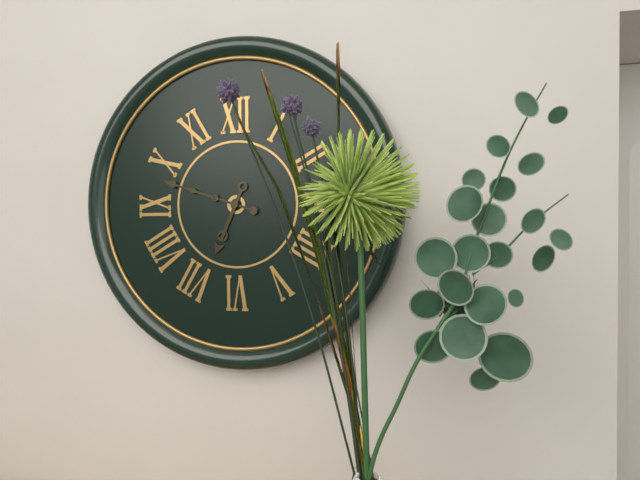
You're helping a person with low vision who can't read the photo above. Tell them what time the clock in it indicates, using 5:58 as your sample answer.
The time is 6:48
